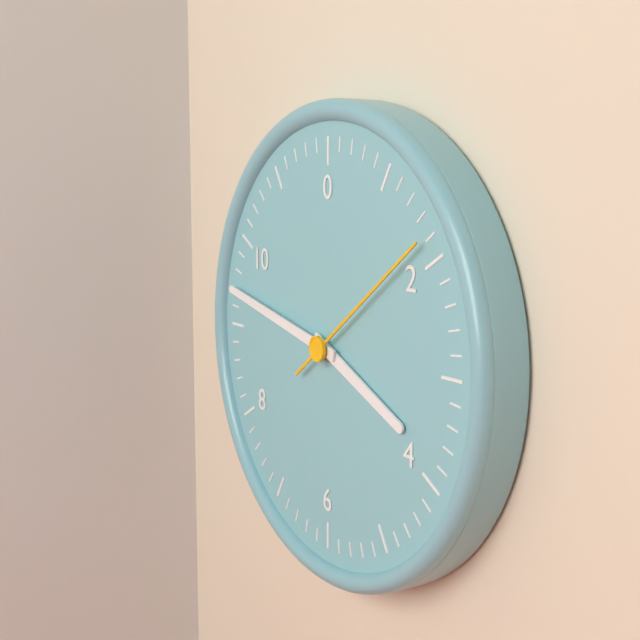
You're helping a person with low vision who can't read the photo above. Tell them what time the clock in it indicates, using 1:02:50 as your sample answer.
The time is 3:47:09
